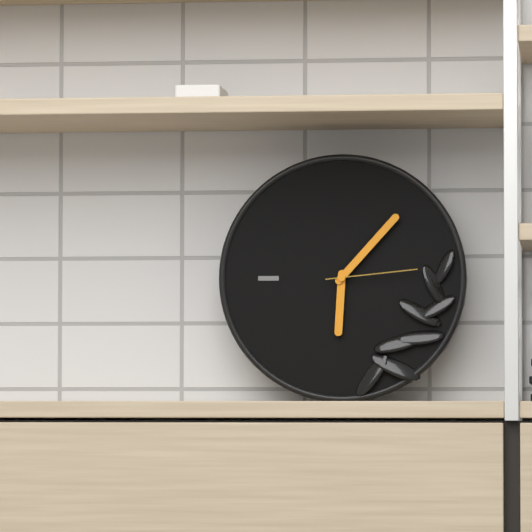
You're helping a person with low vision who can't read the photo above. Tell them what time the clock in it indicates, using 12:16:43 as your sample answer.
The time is 6:07:14
